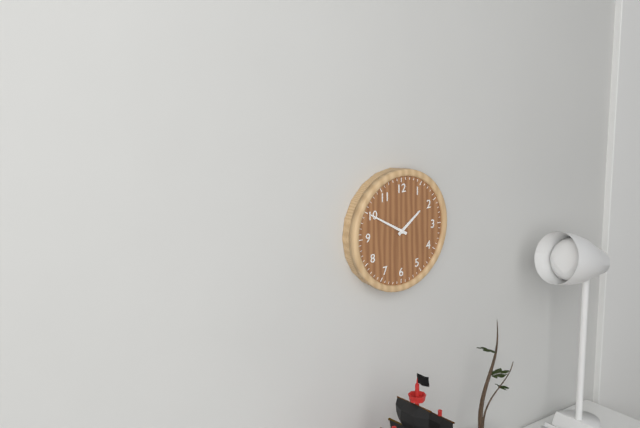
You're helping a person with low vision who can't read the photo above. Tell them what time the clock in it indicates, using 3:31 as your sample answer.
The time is 1:50
